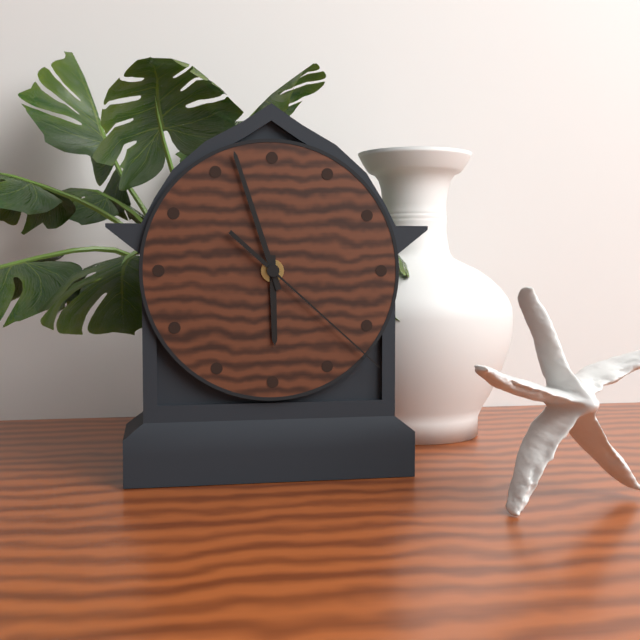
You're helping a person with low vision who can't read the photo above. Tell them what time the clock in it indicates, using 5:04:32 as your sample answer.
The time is 5:57:22
